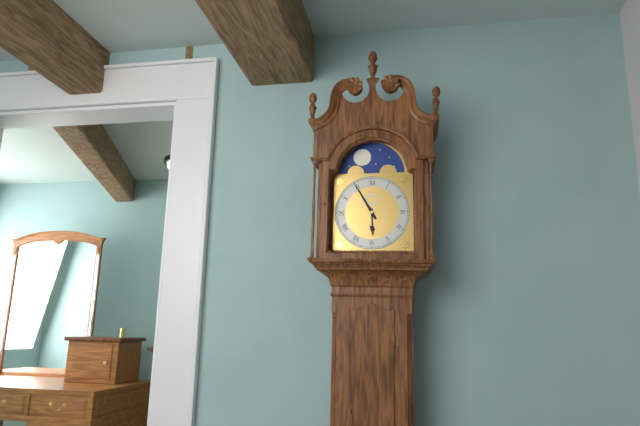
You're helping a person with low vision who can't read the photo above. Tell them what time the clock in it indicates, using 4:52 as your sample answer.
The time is 5:55
